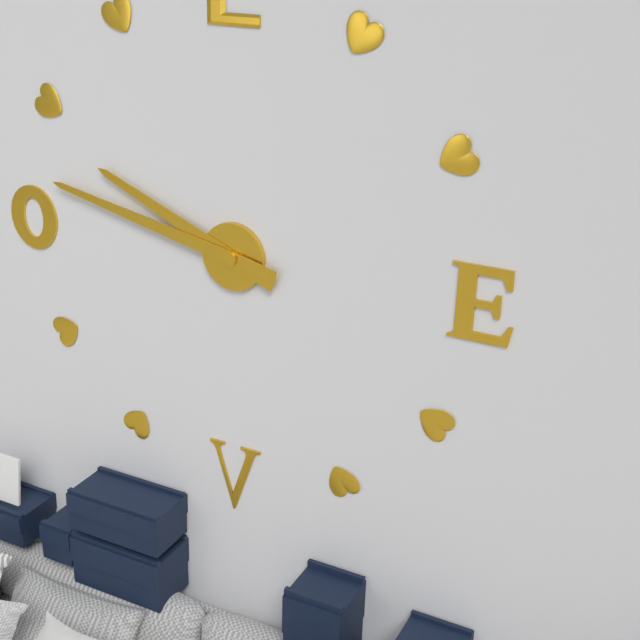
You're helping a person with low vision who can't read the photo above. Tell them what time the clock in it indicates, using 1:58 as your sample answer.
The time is 9:47
